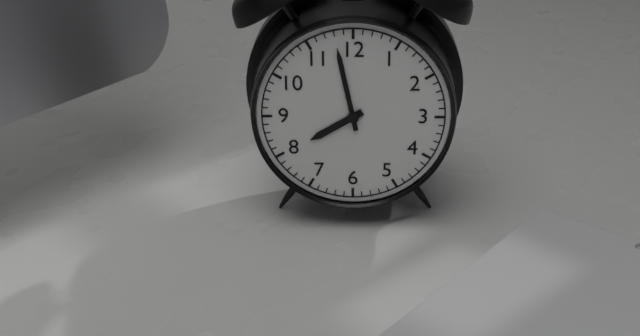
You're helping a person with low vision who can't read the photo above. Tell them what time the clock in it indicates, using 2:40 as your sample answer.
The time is 7:58
